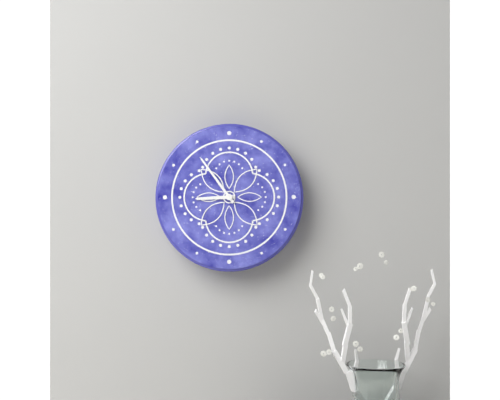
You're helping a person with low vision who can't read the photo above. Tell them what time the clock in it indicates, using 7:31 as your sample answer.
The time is 8:54
